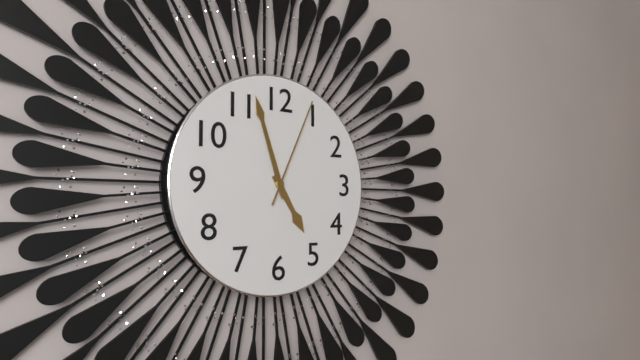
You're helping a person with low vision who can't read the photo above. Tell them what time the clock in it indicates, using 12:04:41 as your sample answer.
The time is 4:57:04
